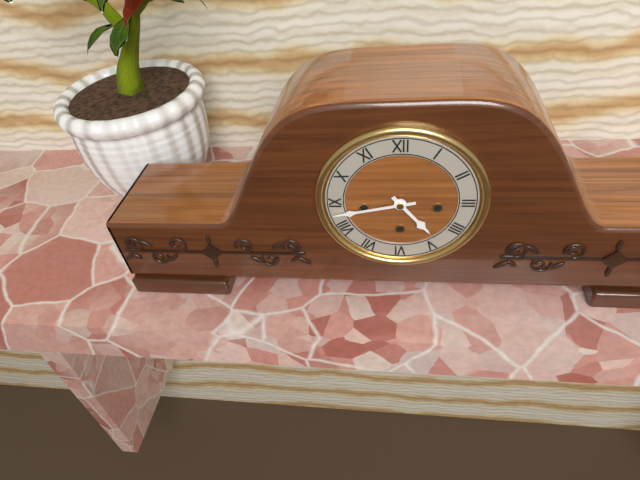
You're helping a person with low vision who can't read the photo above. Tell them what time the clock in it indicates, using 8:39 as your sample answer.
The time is 4:43
